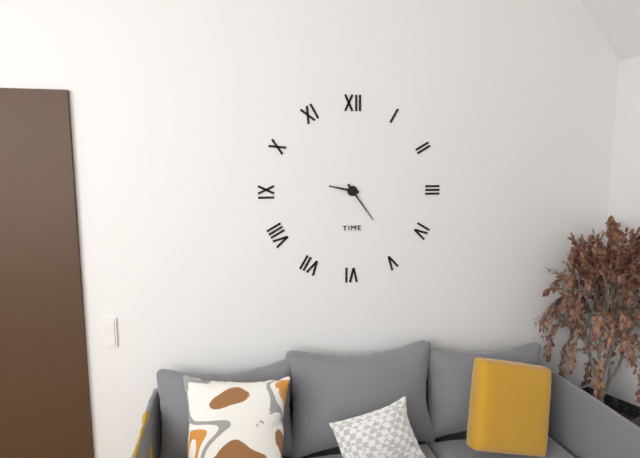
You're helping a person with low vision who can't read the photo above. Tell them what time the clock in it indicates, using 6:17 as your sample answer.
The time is 9:24
